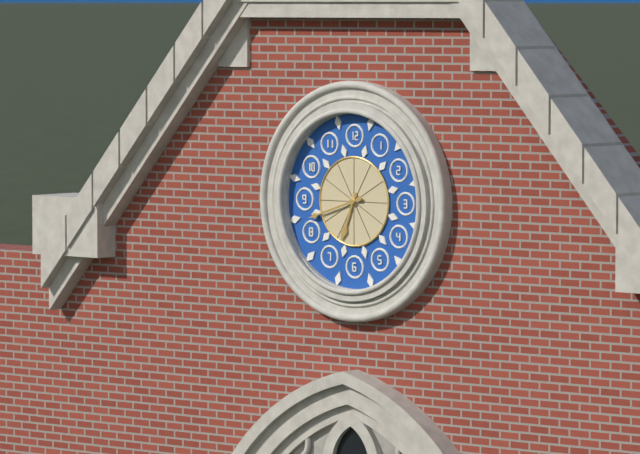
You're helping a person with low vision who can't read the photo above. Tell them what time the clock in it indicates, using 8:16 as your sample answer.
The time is 6:42
